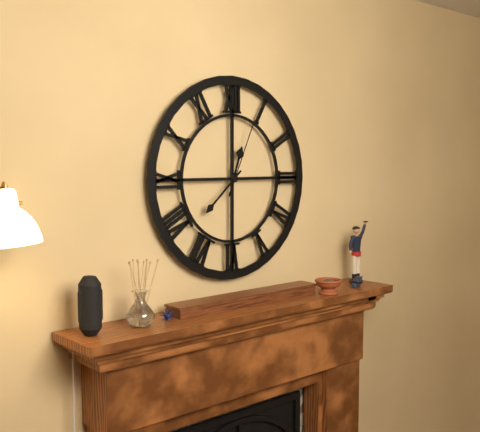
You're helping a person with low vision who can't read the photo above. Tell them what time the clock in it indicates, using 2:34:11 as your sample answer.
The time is 12:38:04
